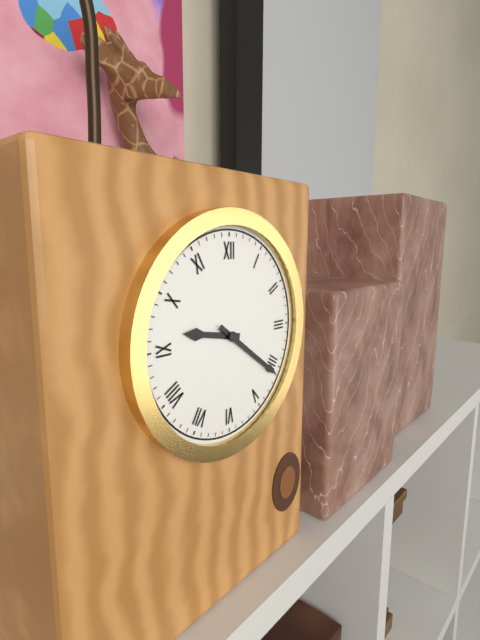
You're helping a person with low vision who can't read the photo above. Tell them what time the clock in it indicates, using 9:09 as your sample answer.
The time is 9:21
